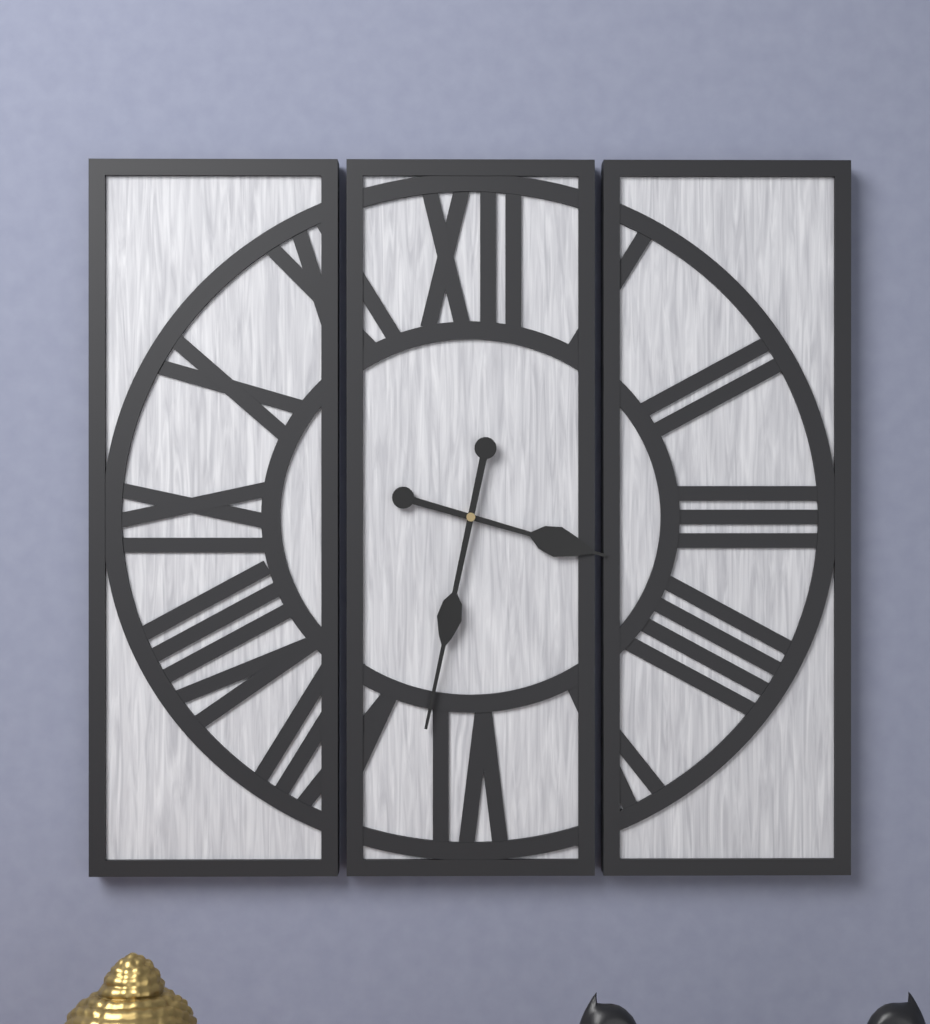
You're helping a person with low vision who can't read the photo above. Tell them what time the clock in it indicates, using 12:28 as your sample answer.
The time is 3:32
